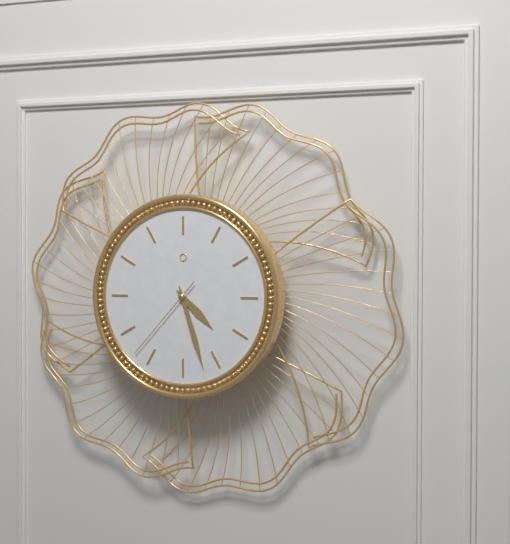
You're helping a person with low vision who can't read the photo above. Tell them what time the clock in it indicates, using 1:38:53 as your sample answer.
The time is 4:27:37
